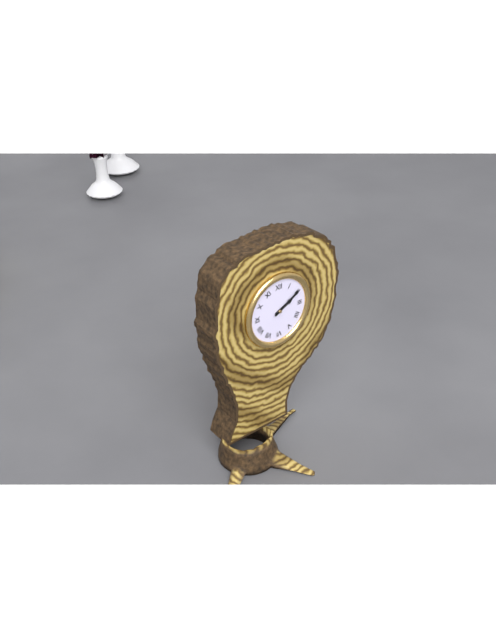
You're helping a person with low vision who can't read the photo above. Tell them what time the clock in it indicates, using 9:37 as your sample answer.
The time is 2:10
